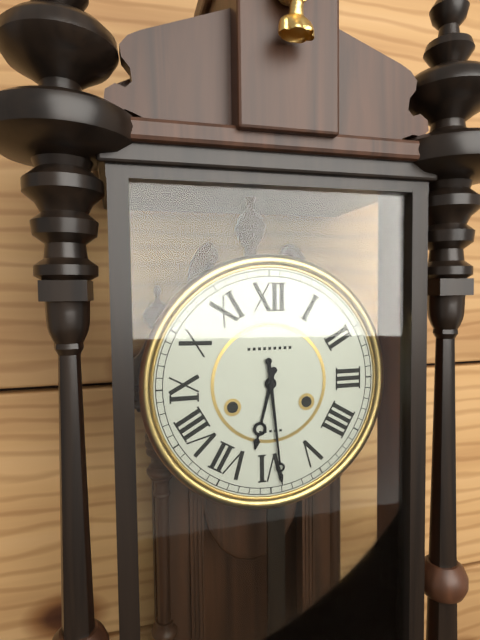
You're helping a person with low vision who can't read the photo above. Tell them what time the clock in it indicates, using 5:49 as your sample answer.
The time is 6:29
